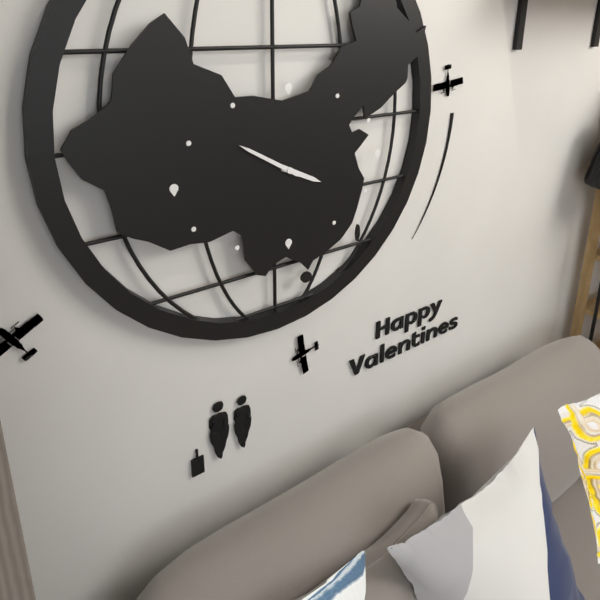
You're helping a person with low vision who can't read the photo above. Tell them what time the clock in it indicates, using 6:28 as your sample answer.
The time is 3:50
